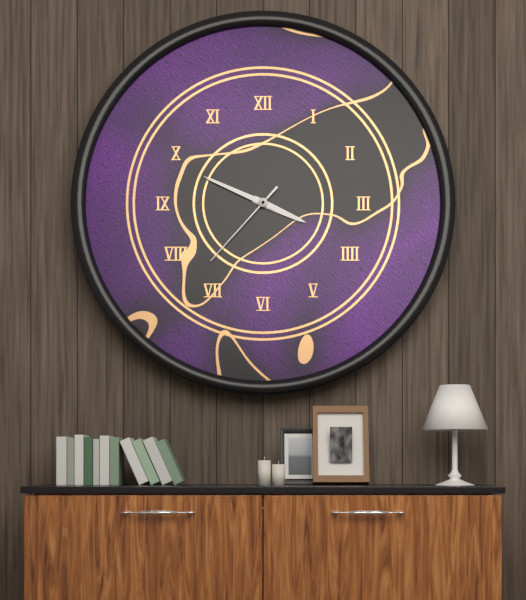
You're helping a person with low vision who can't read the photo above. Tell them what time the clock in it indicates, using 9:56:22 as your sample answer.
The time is 3:49:37
